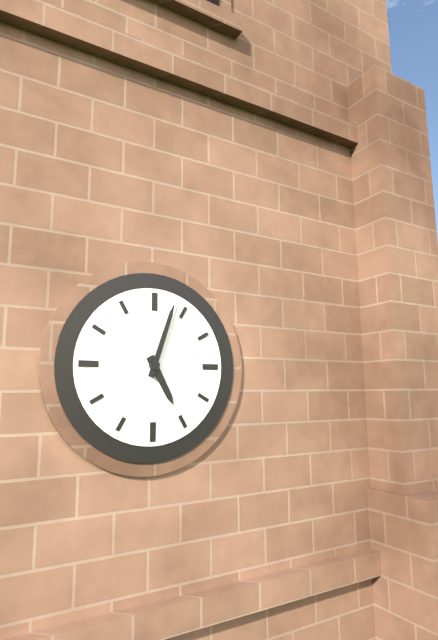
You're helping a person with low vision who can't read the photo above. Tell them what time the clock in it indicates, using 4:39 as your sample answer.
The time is 5:03
